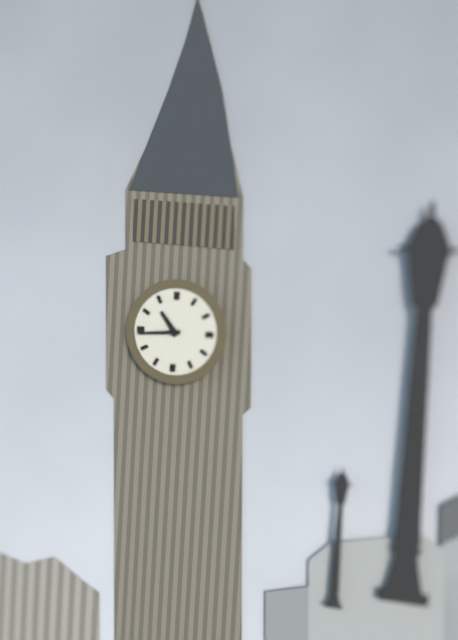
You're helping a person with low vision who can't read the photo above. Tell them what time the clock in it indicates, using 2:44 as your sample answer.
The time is 10:44
